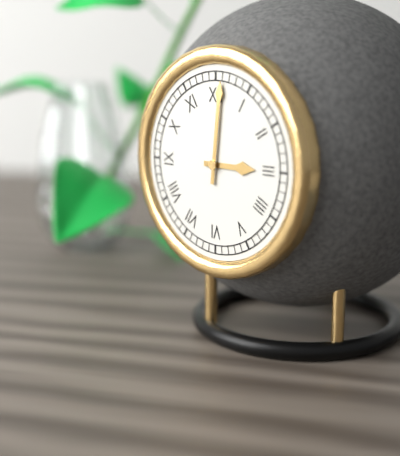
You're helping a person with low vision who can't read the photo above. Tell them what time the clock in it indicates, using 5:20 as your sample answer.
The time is 3:01
